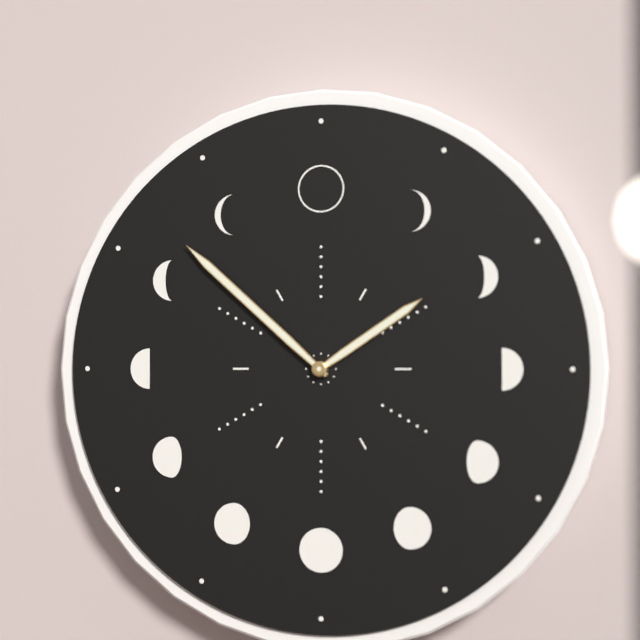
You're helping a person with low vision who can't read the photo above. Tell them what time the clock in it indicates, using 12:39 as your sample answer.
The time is 1:52
